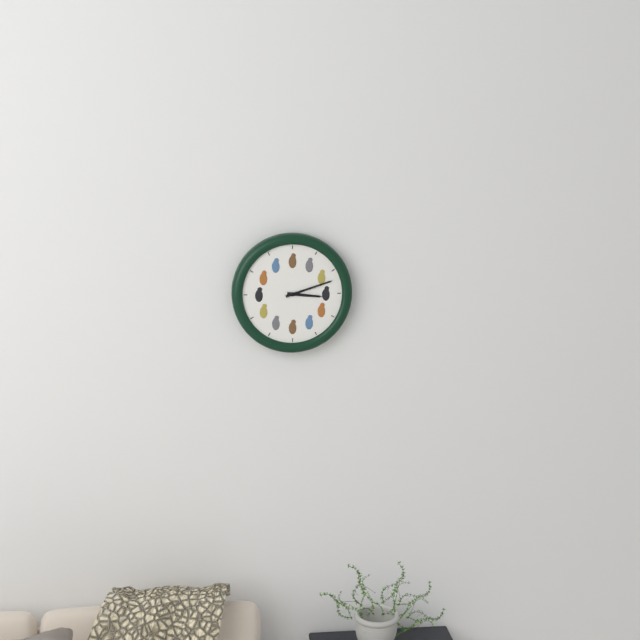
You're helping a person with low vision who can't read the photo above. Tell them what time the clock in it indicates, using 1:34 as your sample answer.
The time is 3:12
